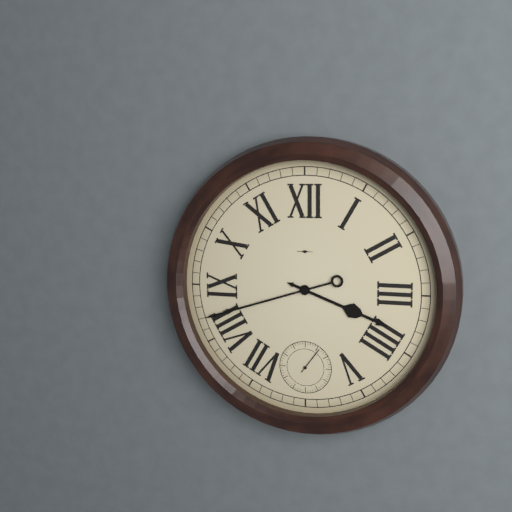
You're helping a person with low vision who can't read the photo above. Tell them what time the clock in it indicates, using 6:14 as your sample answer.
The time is 3:42
